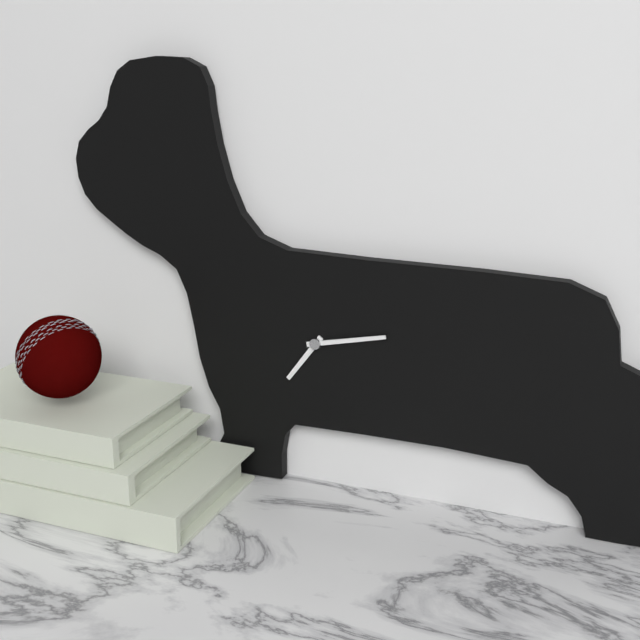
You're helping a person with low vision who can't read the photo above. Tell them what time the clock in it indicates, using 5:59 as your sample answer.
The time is 7:13
